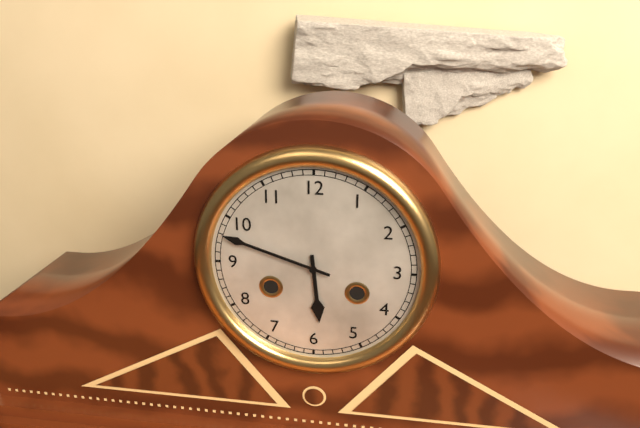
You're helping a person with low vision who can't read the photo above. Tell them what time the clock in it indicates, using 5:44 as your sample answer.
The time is 5:48
